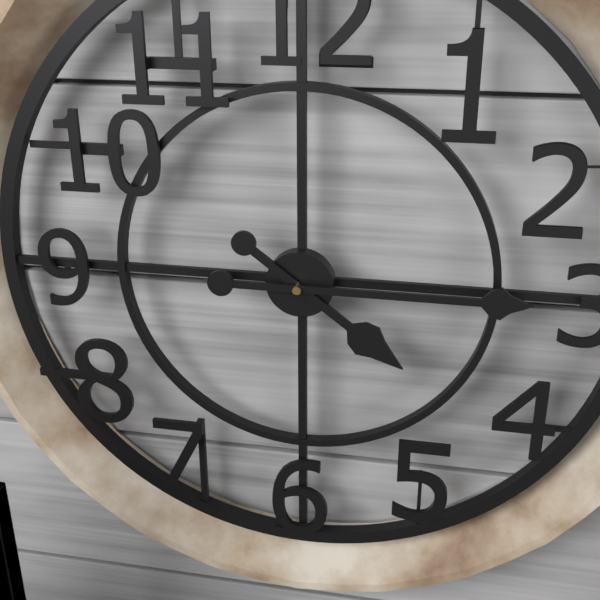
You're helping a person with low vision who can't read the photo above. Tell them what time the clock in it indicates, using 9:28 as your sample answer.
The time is 4:15
